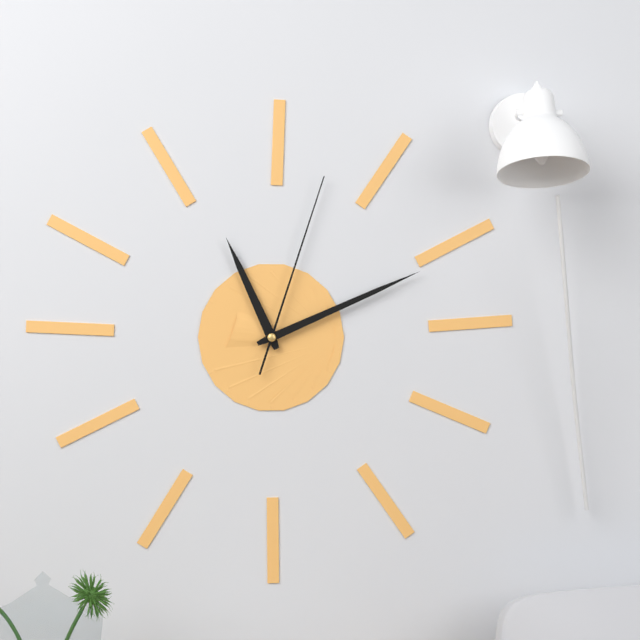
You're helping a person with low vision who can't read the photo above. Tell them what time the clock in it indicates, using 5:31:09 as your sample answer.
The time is 11:11:03
